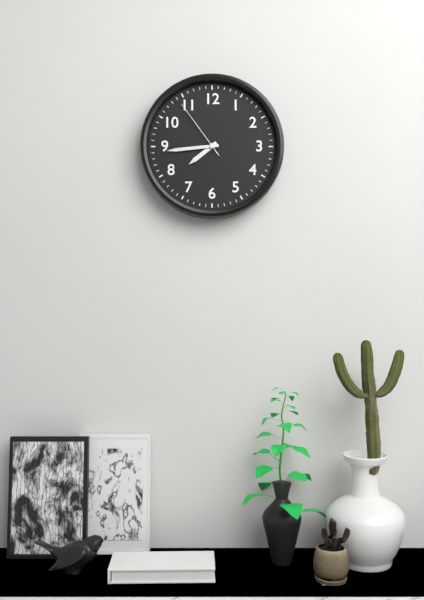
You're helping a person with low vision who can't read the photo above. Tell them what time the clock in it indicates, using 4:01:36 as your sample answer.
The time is 7:44:54
